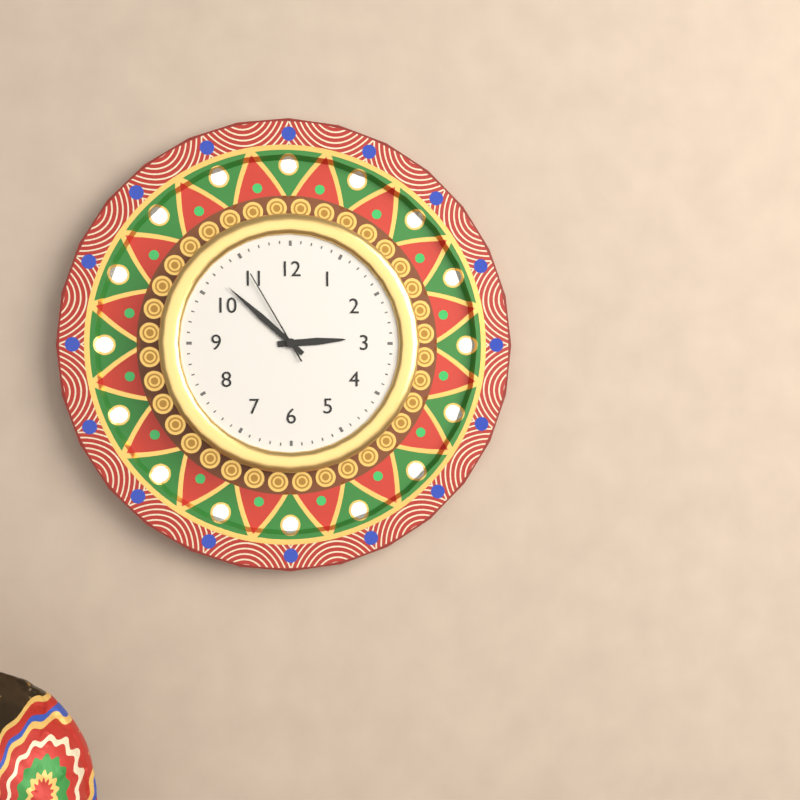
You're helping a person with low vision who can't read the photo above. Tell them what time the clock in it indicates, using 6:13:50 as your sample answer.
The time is 2:52:55
